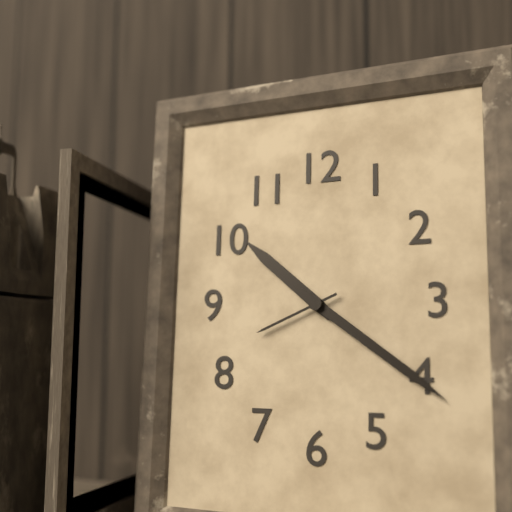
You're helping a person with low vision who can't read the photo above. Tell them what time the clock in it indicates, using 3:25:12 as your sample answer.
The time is 10:21:41
